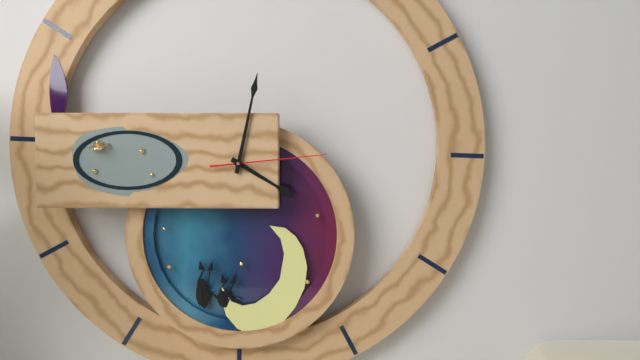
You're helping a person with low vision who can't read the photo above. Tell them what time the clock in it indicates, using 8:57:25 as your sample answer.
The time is 4:02:14
